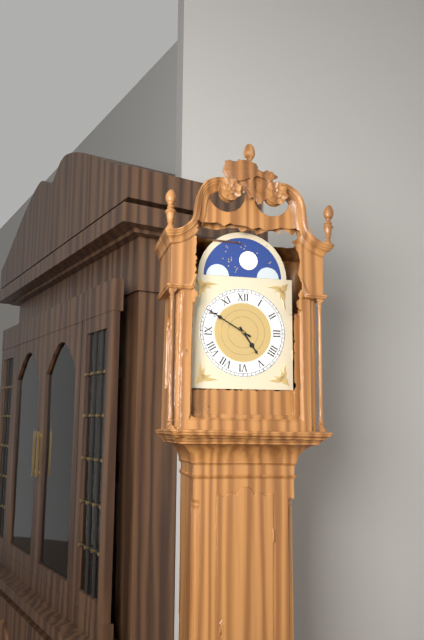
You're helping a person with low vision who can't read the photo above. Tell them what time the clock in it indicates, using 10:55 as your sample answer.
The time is 4:50
